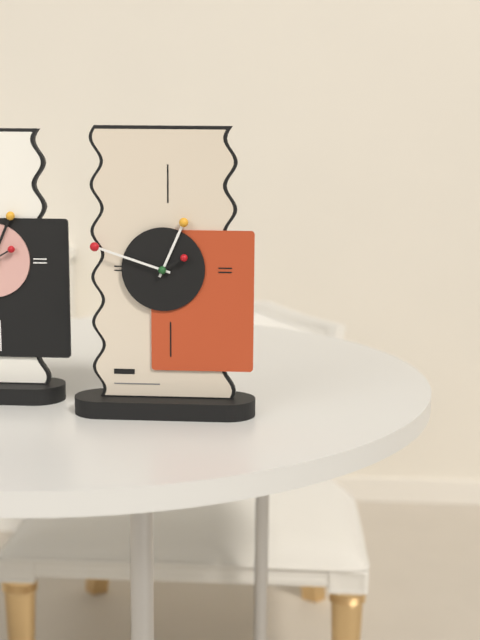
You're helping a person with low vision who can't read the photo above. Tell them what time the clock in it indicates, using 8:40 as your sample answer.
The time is 12:48
